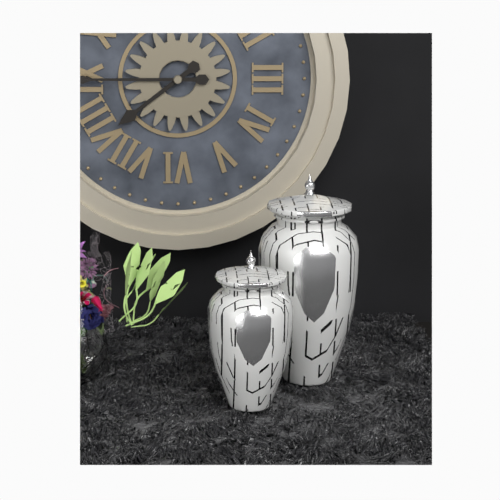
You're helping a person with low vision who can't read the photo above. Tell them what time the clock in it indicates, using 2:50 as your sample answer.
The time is 7:45
